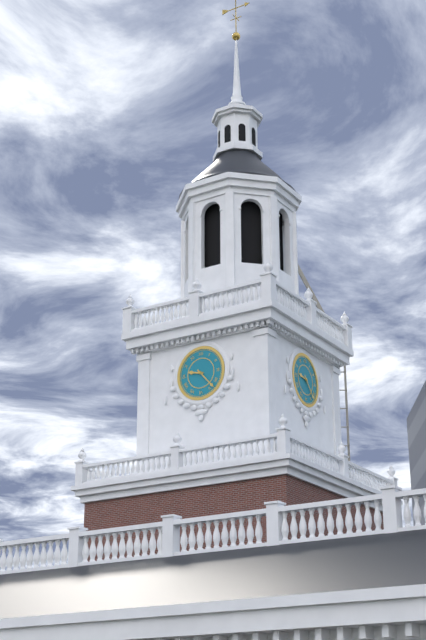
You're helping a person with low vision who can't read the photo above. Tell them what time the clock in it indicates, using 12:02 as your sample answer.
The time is 9:23
